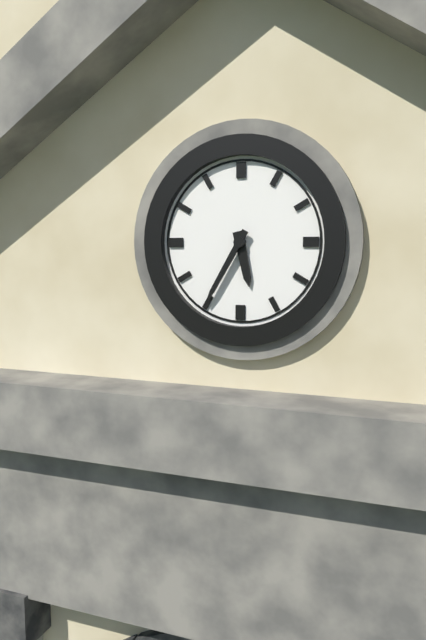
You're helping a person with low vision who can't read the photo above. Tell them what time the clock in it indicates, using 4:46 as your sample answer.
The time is 5:35
